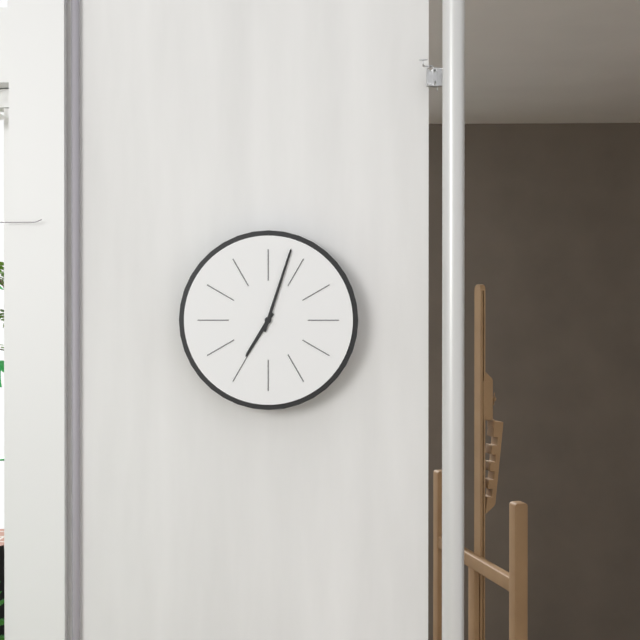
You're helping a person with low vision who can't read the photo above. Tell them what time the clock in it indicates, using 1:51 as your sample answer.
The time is 7:03
